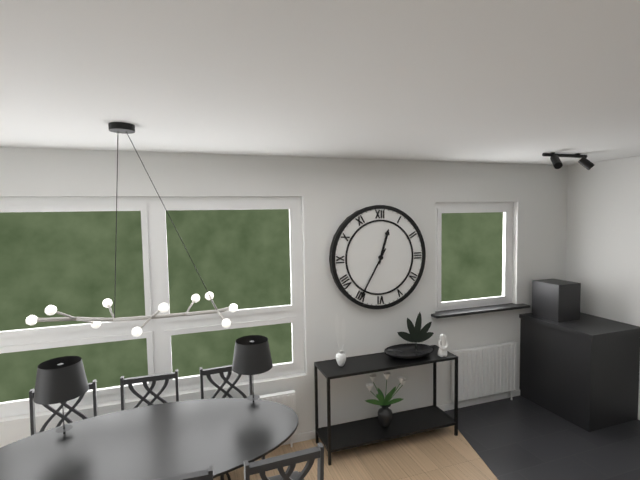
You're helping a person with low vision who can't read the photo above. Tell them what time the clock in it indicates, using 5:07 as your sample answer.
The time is 12:35
